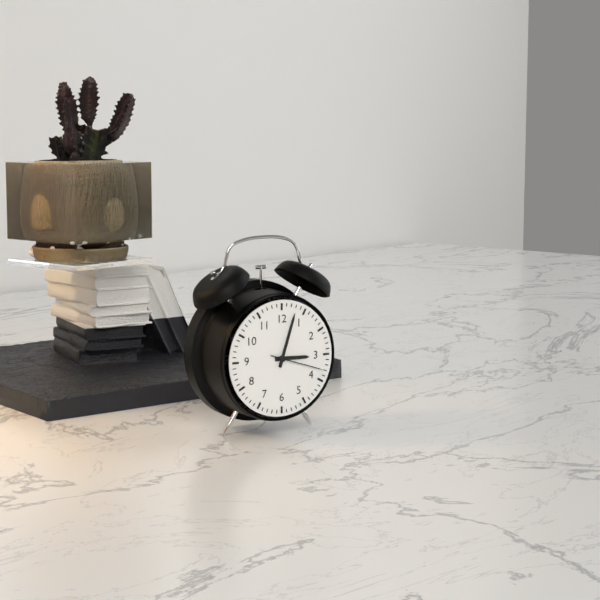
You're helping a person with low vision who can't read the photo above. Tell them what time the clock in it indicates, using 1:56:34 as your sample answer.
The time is 3:03:18
